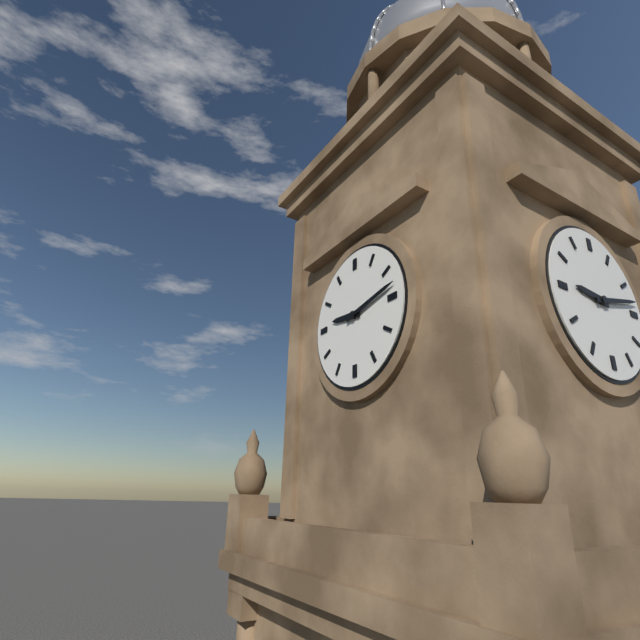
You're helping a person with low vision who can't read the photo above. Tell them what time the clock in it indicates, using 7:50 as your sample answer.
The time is 9:13
